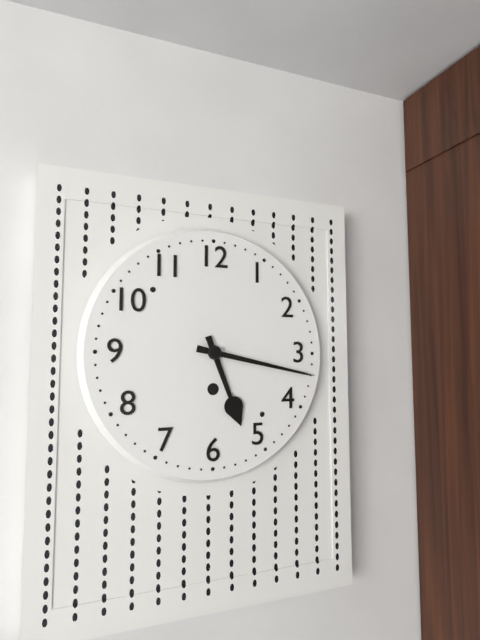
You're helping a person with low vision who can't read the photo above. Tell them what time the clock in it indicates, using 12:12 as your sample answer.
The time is 5:17
